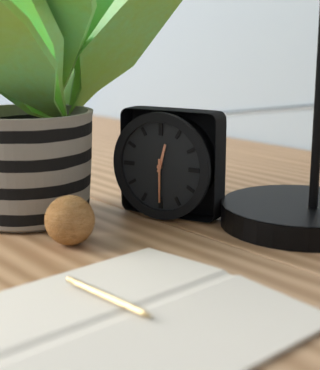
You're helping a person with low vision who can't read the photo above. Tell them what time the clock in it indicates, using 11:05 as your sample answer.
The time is 12:30
